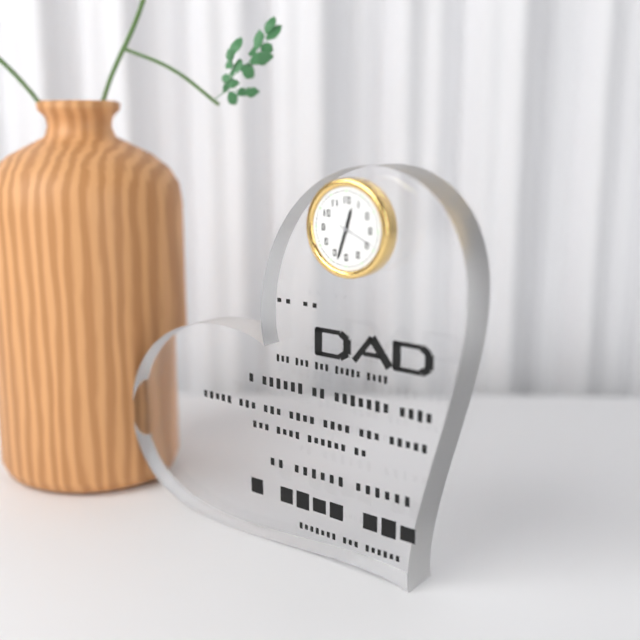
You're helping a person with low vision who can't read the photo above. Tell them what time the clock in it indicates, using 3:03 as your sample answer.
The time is 12:33
